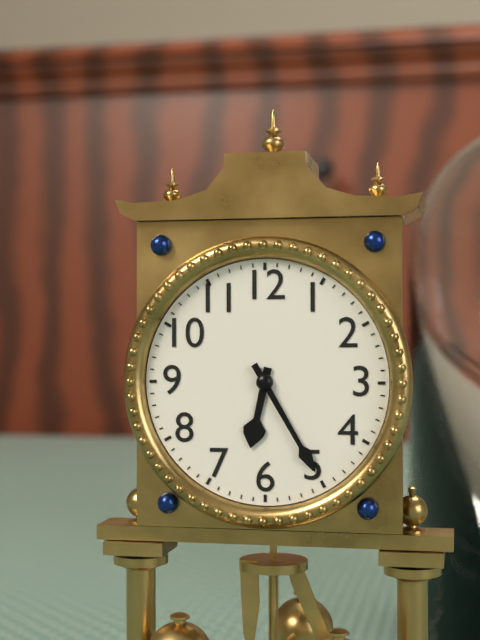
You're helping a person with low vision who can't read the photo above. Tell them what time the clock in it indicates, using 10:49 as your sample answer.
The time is 6:25
